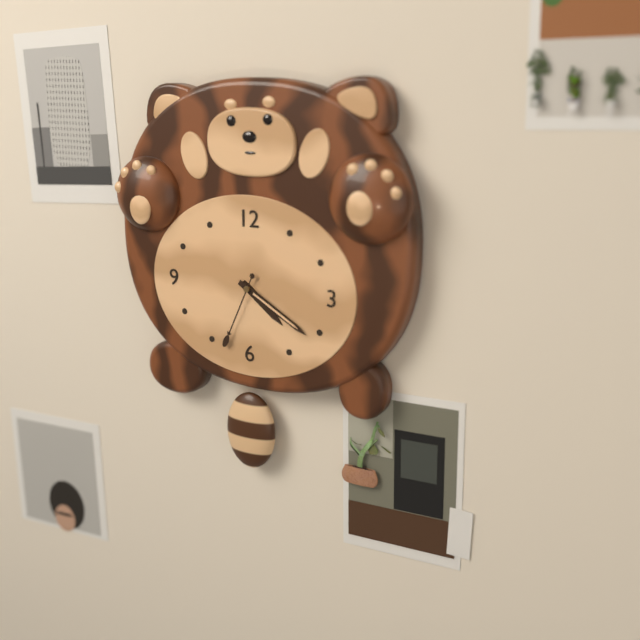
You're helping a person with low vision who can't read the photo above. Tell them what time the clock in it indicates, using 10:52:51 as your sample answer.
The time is 4:20:34
